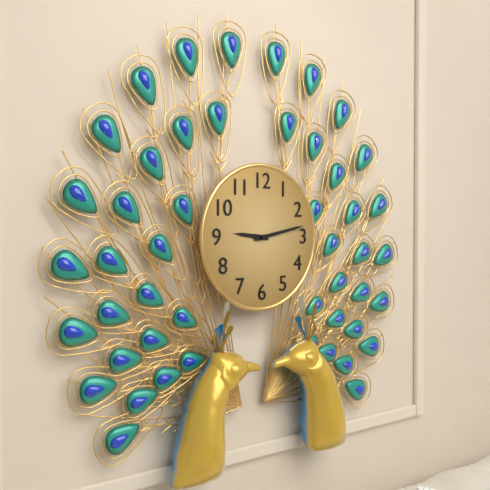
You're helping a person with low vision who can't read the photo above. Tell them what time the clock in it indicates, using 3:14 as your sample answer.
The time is 9:13
